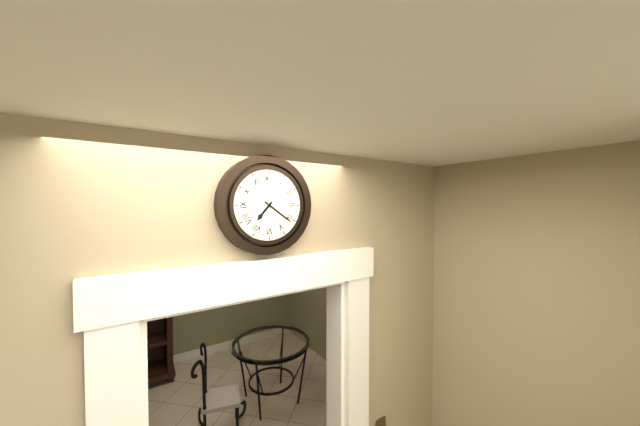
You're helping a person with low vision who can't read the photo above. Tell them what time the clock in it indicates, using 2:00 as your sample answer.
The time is 7:21
